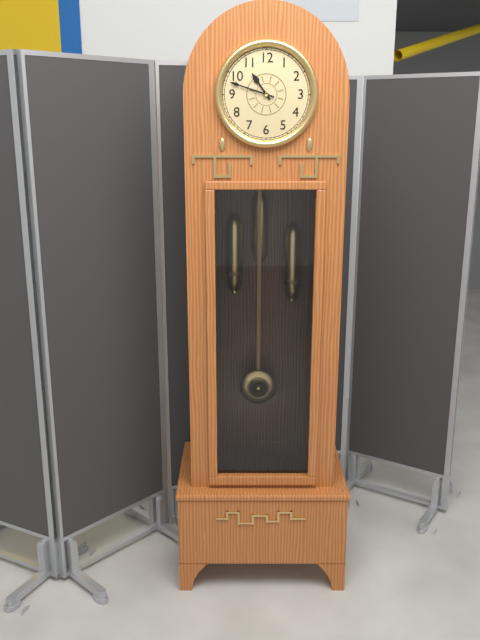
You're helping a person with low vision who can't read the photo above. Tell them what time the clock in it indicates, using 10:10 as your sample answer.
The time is 10:48
